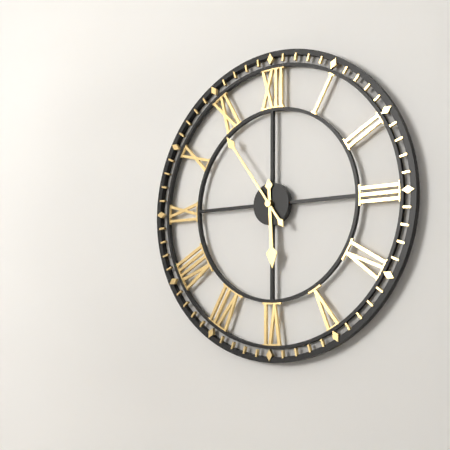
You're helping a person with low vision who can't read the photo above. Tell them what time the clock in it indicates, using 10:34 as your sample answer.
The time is 5:54
